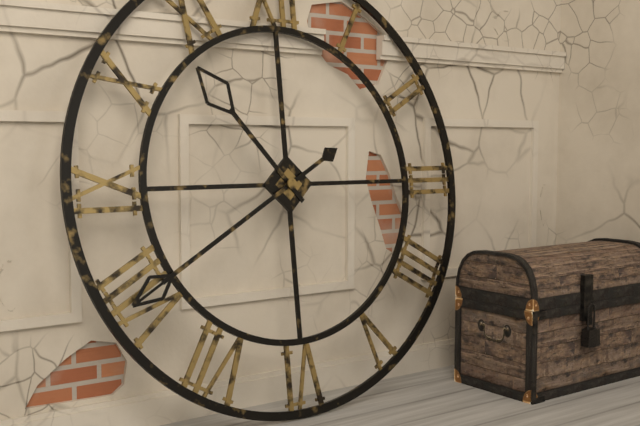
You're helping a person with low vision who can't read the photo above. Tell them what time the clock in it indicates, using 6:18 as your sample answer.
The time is 10:40
